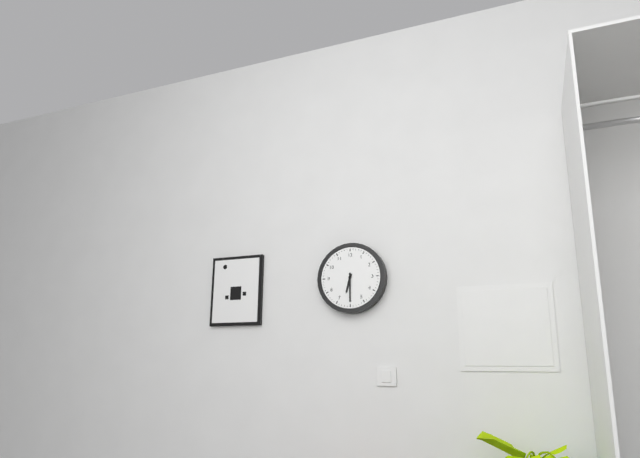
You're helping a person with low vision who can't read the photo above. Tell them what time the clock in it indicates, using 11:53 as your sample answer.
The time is 6:30
